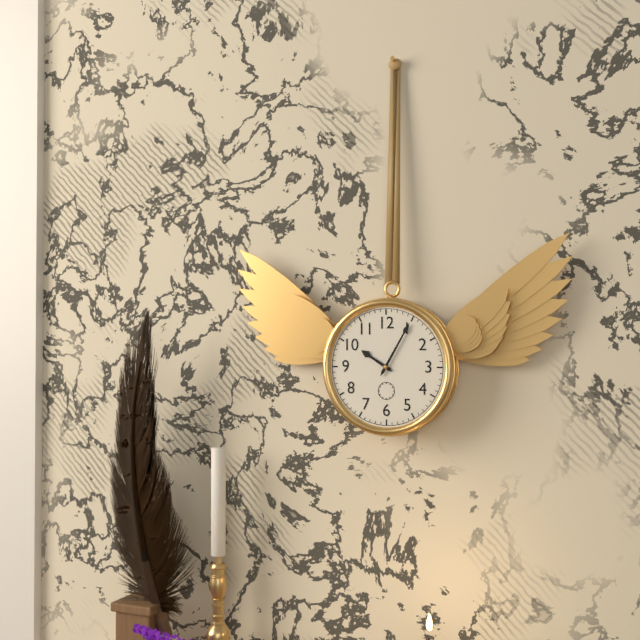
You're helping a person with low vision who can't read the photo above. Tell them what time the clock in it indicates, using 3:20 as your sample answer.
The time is 10:05
